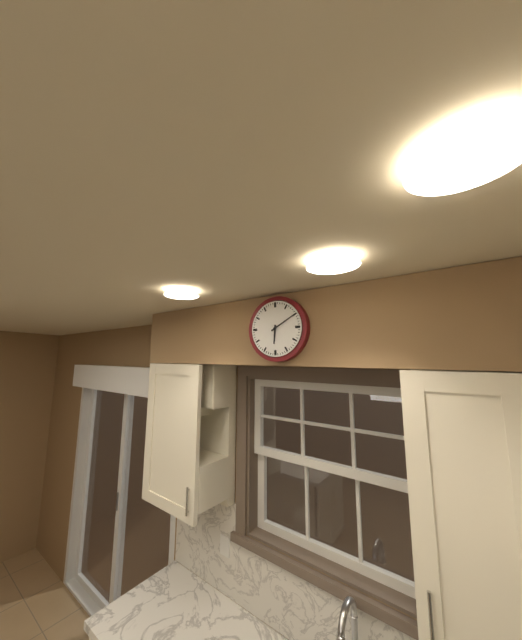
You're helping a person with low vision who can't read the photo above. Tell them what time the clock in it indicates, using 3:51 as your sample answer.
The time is 6:10
